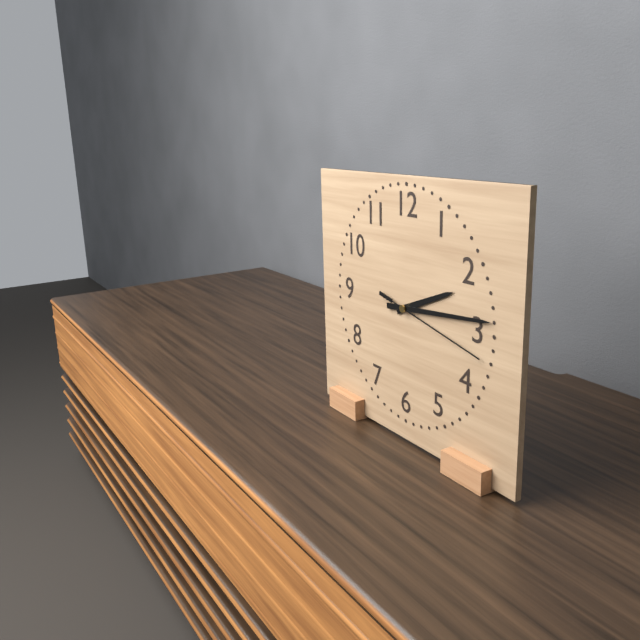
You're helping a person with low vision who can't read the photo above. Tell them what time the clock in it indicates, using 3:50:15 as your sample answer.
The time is 2:14:17
